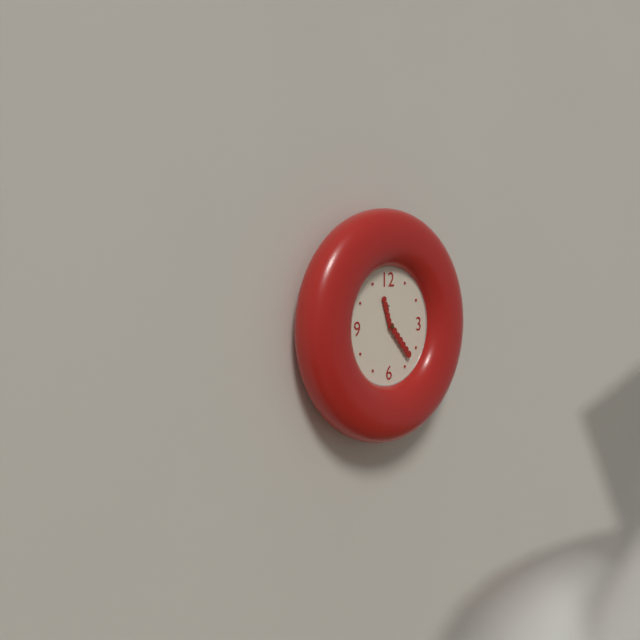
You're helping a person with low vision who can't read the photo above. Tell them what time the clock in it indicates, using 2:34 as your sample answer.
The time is 11:23
